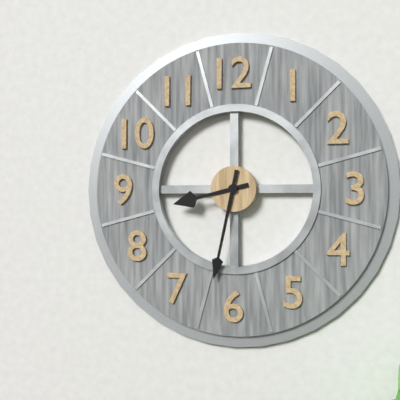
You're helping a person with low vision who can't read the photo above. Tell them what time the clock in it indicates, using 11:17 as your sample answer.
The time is 8:32
